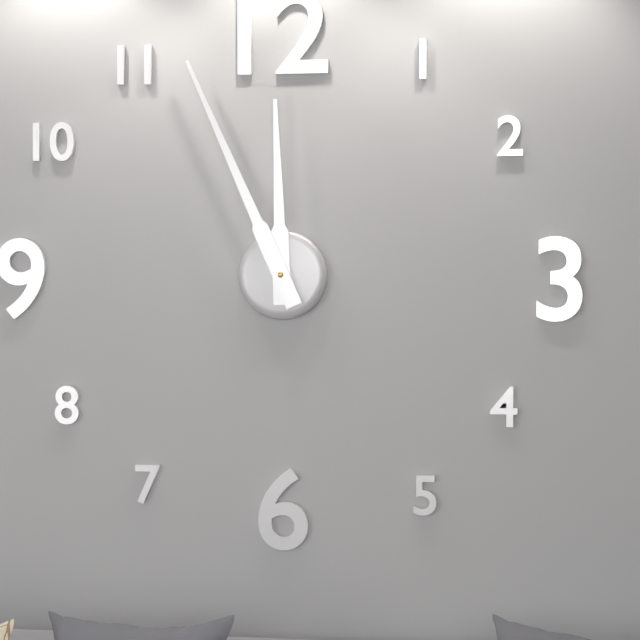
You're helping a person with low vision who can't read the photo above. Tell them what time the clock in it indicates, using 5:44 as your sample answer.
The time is 11:56
